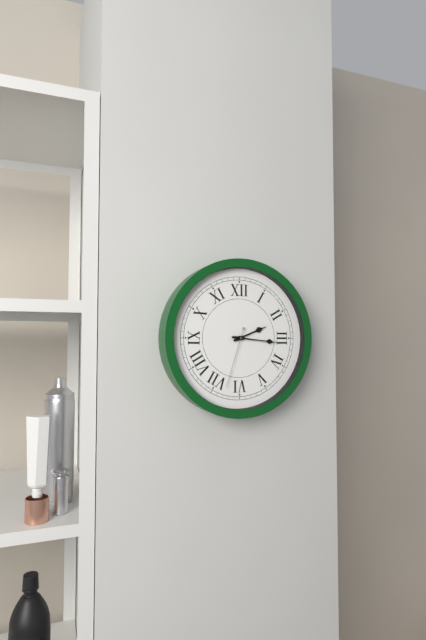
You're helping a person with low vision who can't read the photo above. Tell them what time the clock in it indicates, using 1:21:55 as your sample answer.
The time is 2:16:33
